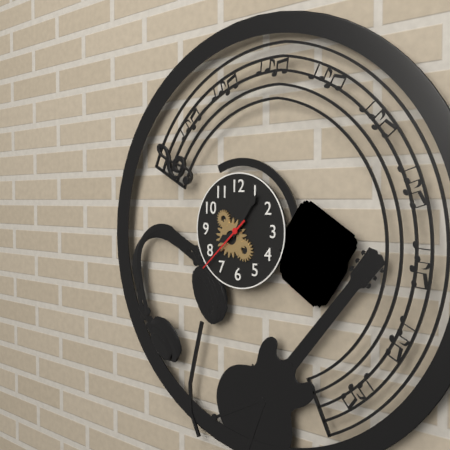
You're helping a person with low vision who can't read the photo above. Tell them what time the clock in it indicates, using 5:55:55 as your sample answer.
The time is 8:06:38
